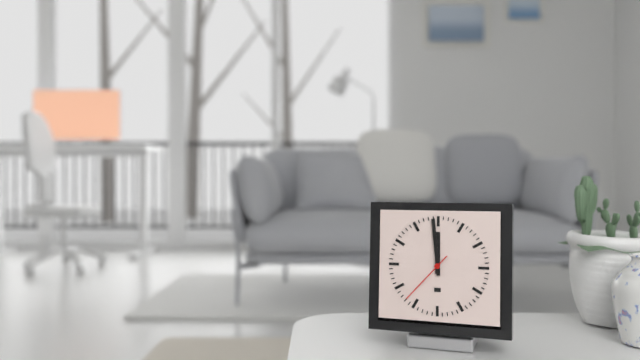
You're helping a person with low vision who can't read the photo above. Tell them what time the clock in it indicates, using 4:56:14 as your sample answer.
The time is 11:59:37
